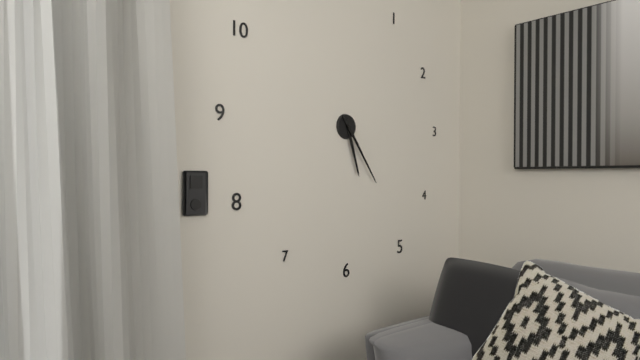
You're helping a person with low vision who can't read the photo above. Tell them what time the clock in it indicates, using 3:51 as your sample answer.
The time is 5:24
